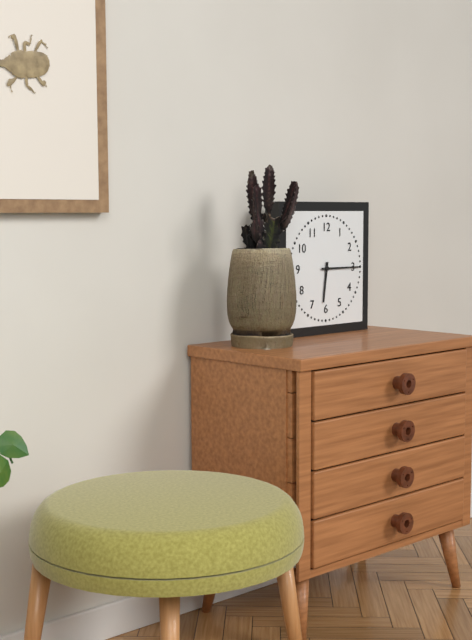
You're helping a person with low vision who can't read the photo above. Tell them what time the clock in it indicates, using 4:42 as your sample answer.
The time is 6:15
